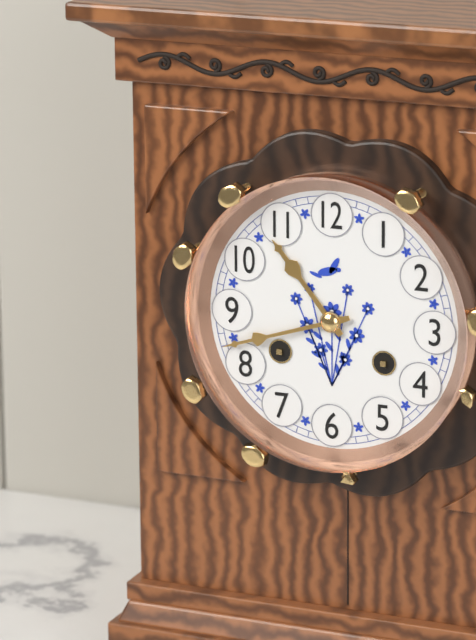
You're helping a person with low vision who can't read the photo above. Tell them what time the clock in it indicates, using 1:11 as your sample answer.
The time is 10:42
